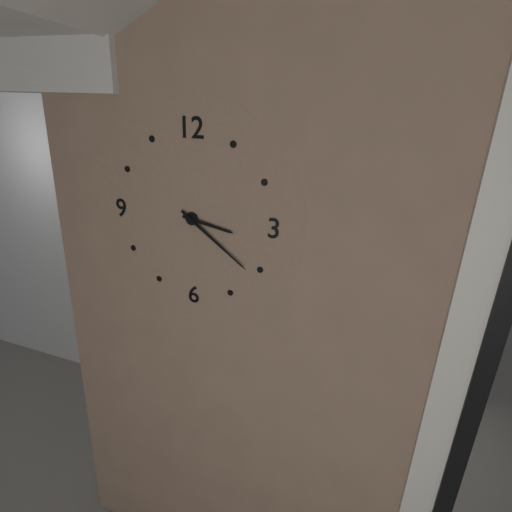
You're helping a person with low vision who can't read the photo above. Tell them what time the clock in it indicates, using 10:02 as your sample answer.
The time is 3:21
